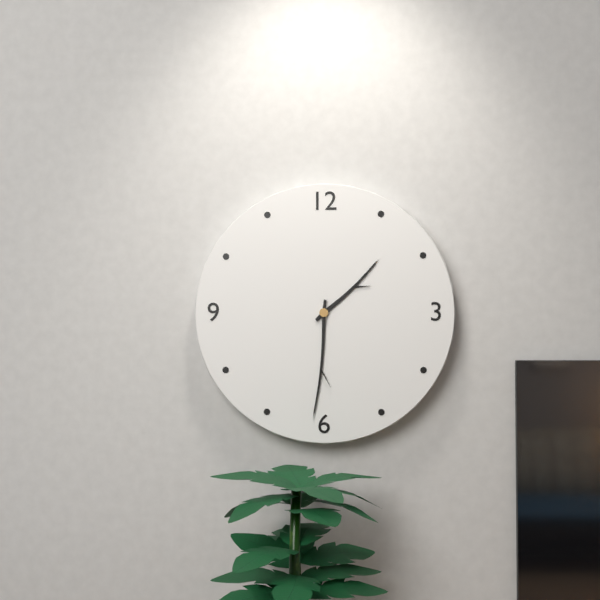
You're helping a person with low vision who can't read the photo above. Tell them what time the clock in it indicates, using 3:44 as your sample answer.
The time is 1:31
